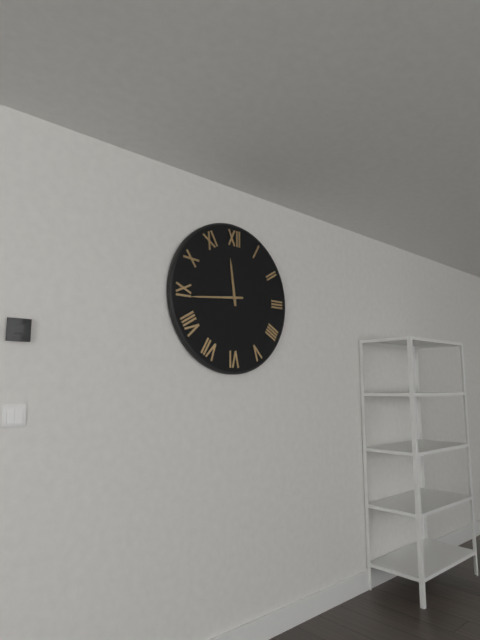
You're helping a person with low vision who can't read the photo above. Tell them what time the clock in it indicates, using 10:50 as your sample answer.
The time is 11:44
